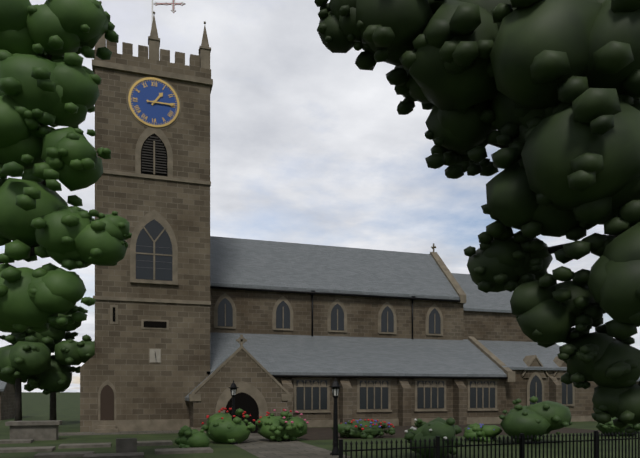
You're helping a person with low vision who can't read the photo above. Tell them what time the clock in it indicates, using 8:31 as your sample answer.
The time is 1:15
